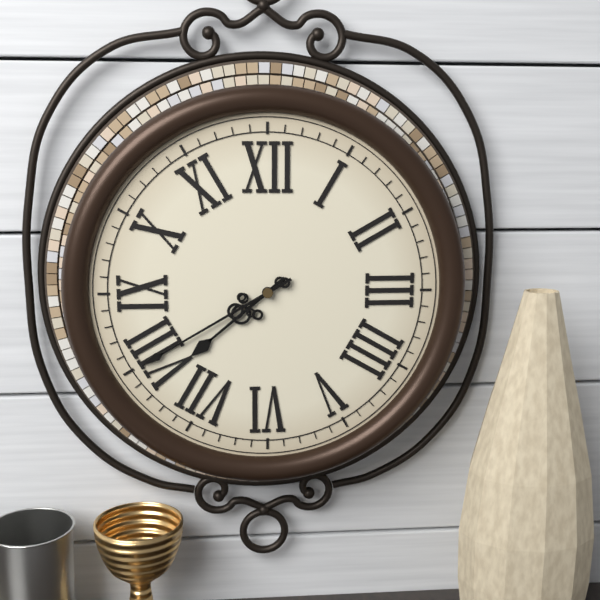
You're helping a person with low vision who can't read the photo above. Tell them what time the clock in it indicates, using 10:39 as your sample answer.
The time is 7:40
